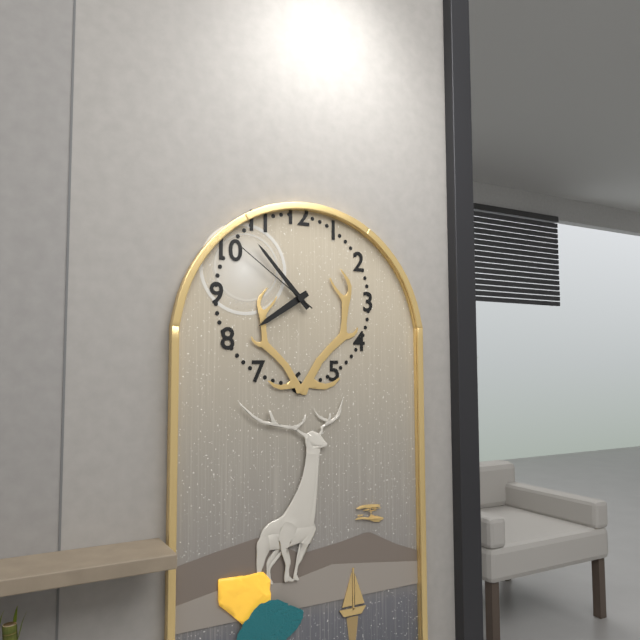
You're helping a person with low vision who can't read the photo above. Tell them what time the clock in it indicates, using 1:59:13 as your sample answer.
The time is 7:53:51
